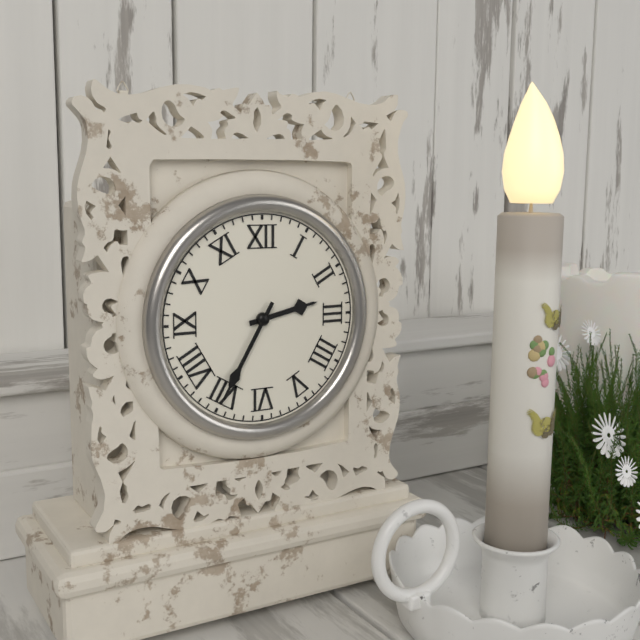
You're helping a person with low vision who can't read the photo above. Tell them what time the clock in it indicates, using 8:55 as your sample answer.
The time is 2:35
